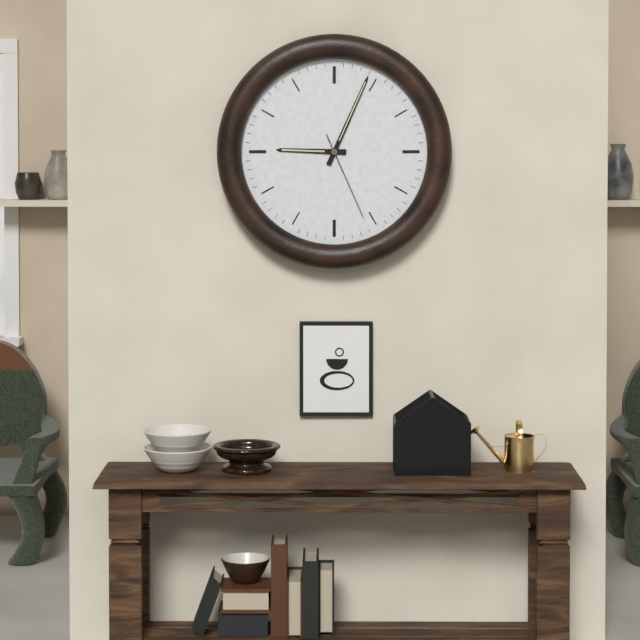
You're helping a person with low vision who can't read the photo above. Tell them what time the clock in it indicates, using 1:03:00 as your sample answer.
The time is 9:04:26
